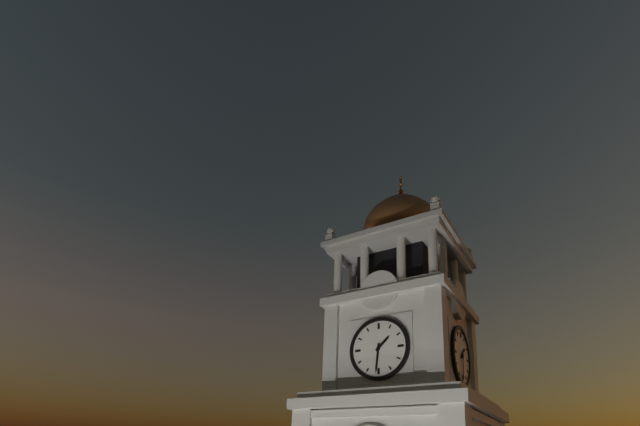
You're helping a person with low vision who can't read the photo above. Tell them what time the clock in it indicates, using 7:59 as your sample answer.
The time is 1:31
